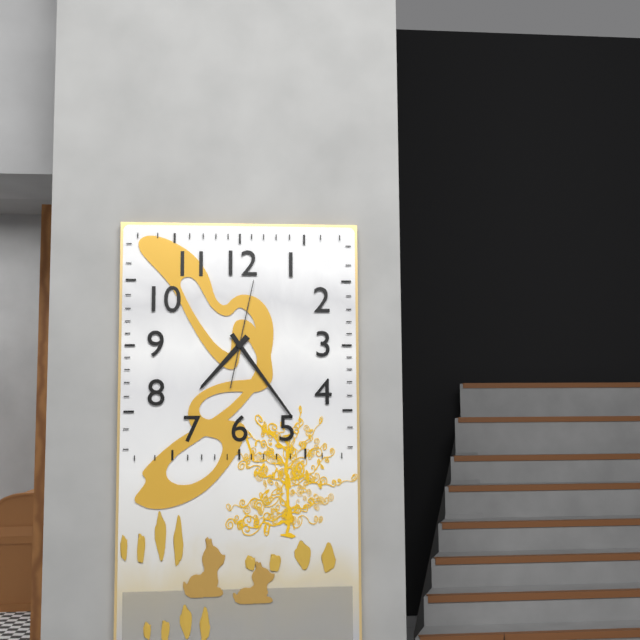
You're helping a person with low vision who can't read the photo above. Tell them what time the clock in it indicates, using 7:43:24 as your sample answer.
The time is 7:24:02
